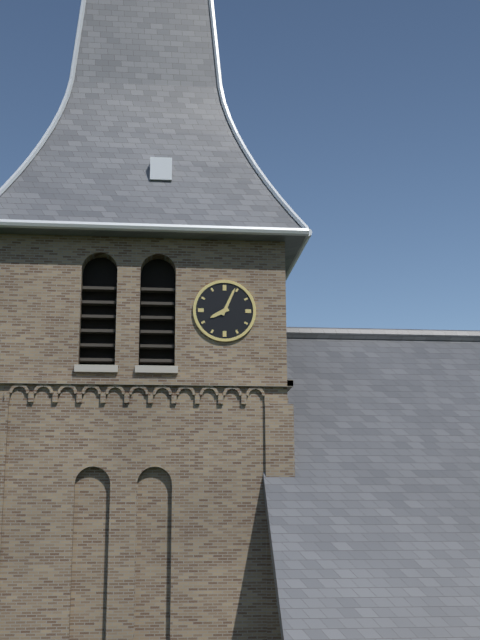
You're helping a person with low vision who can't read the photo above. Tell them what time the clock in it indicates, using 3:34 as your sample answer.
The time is 8:04
